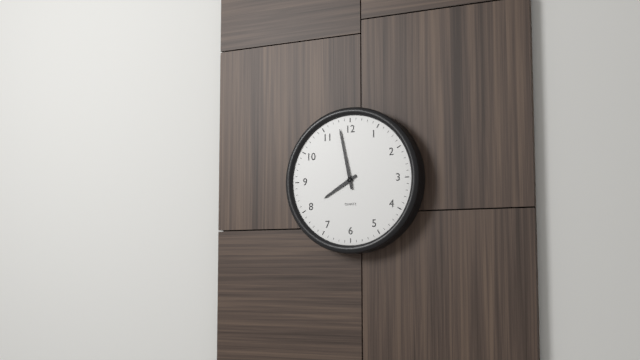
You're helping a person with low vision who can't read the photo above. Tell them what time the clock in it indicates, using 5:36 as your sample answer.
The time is 7:58
